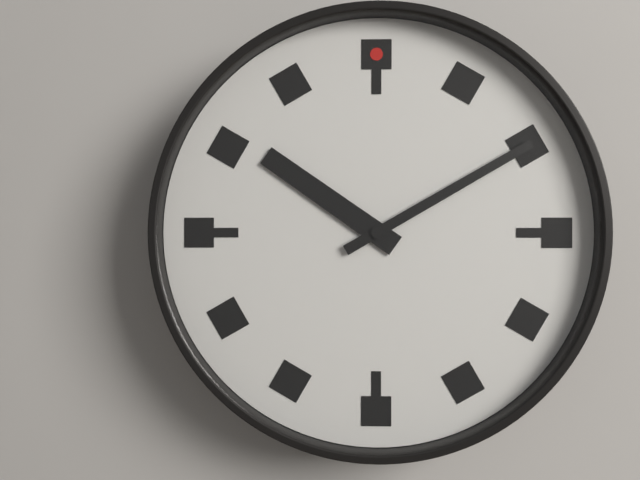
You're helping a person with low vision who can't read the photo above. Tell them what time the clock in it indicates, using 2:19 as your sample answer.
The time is 10:10
